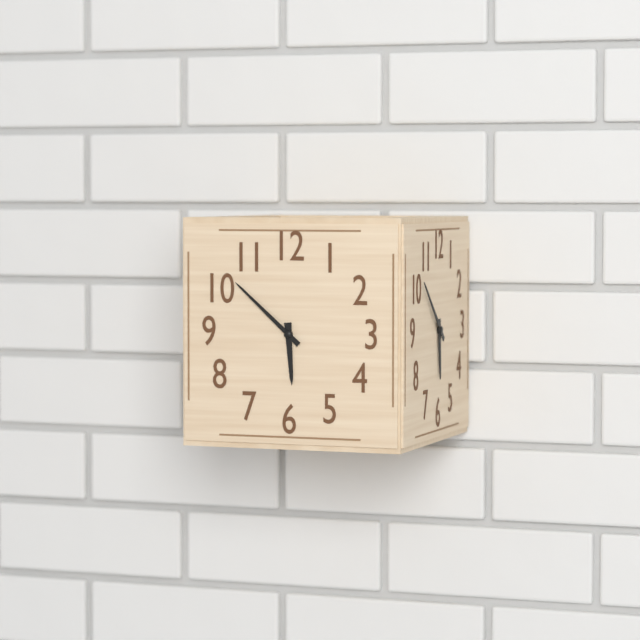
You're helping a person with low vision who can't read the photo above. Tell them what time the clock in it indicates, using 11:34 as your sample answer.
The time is 5:52
